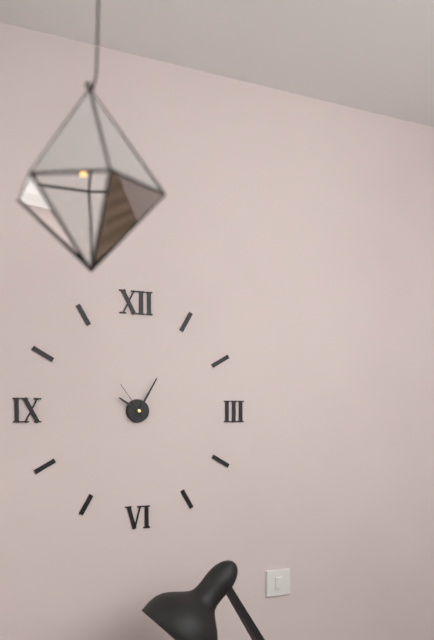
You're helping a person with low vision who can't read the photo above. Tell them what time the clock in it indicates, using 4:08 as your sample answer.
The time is 10:05
